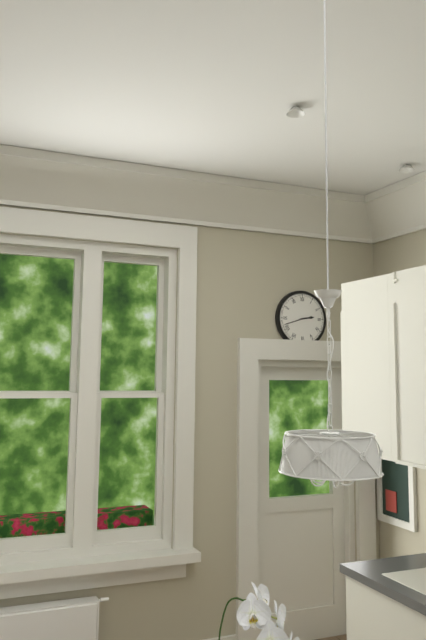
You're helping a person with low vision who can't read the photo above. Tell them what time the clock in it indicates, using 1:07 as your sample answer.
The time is 2:42
